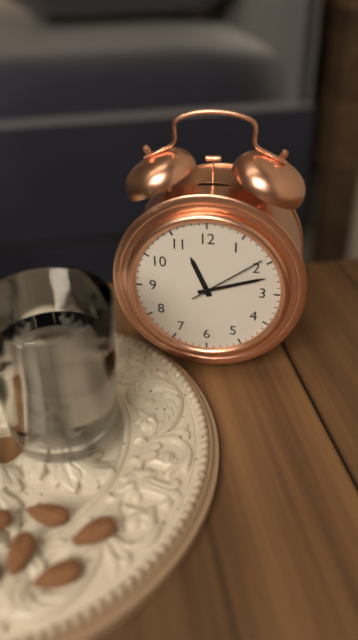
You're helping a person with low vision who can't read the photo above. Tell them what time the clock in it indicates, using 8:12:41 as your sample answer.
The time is 11:12:09
